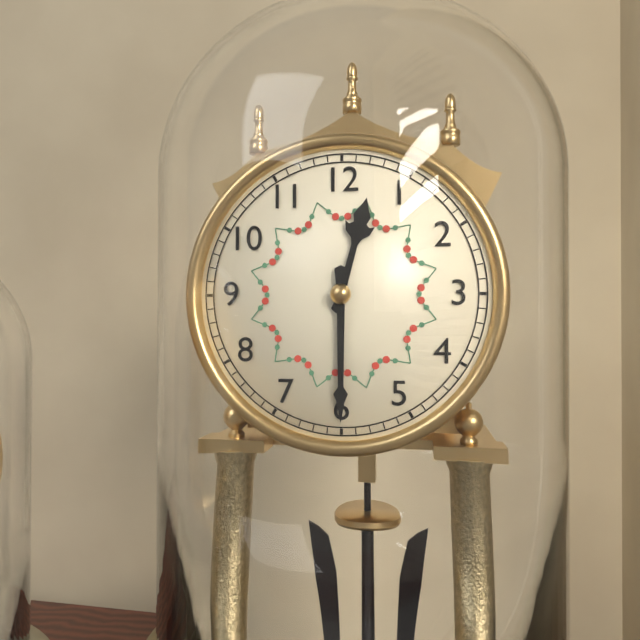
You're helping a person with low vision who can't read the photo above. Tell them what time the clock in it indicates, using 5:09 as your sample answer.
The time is 12:30
